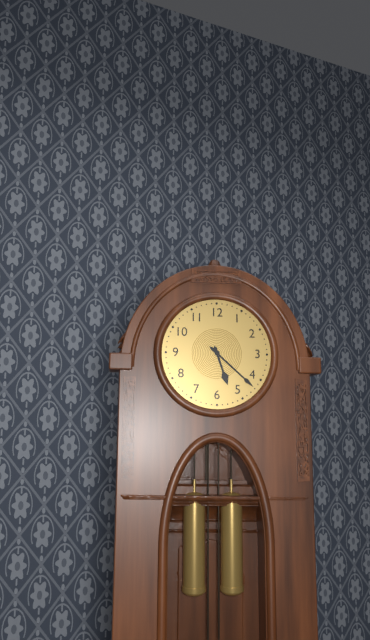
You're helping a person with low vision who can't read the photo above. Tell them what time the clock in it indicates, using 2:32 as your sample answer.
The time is 5:22
